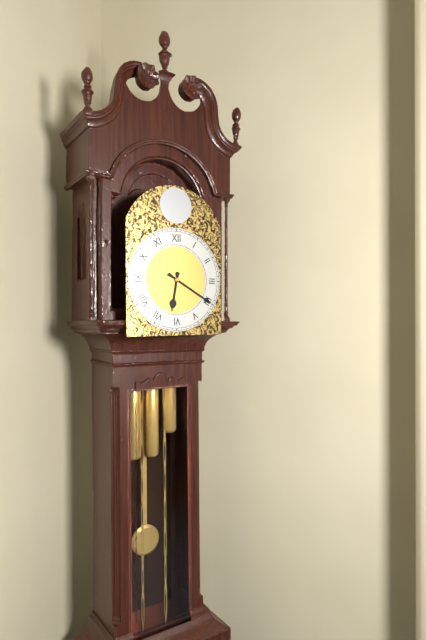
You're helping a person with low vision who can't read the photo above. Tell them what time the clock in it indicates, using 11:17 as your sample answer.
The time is 6:20
